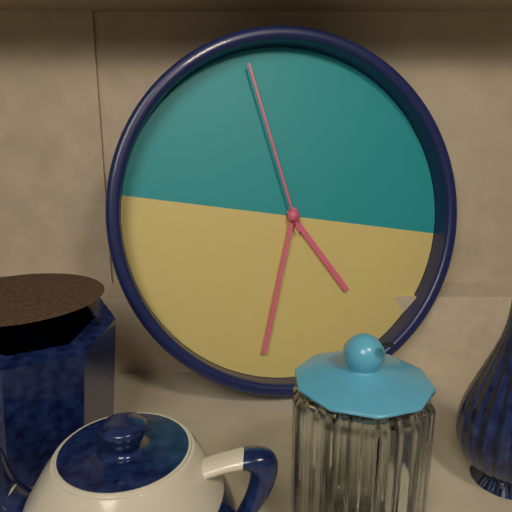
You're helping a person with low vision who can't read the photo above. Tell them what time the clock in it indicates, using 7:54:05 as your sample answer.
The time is 4:31:56
